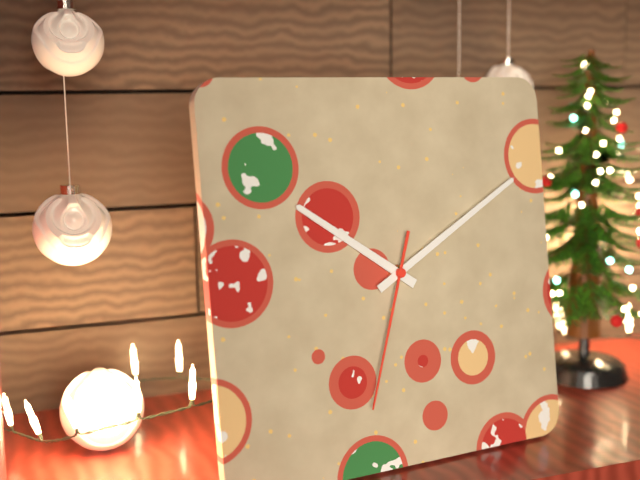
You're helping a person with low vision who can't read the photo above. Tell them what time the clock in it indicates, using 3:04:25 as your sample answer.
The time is 10:10:33
